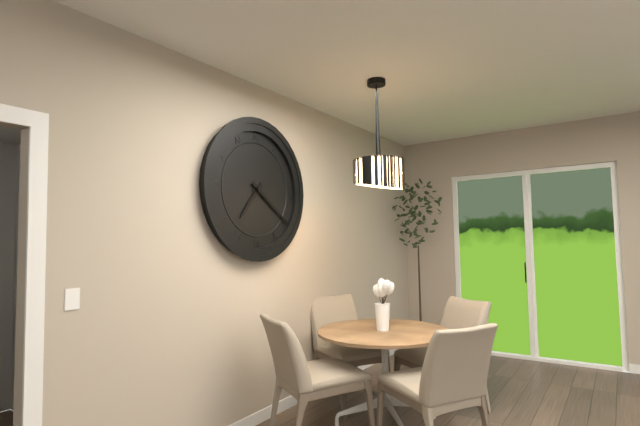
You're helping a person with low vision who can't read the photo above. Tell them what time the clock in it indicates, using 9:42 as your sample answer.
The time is 7:21
